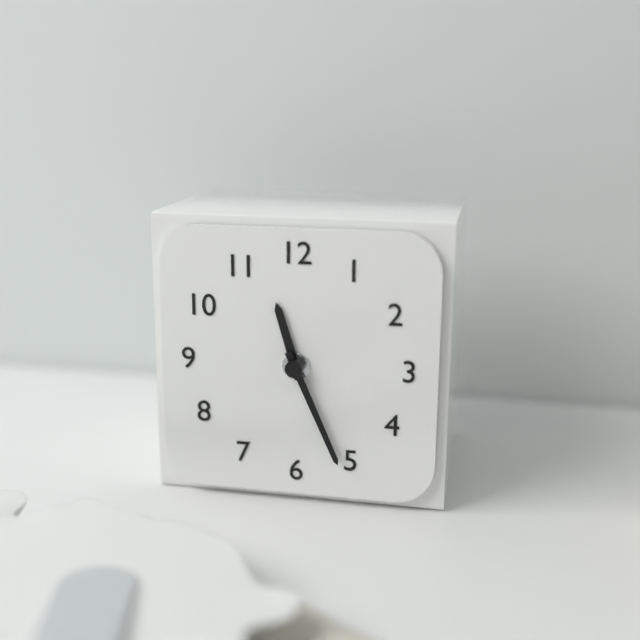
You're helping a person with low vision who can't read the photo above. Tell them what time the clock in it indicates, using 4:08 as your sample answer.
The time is 11:26
